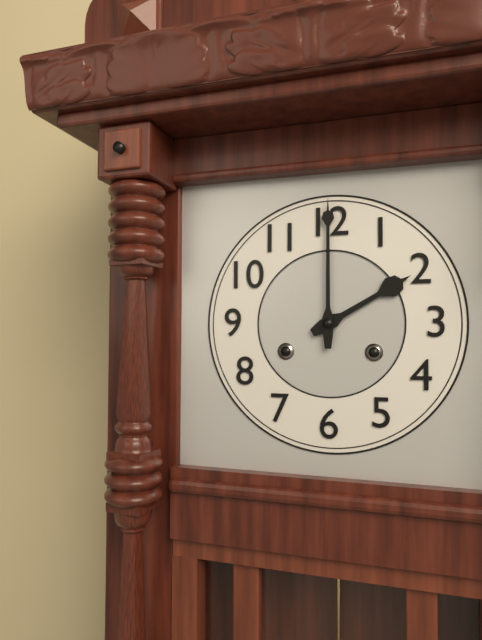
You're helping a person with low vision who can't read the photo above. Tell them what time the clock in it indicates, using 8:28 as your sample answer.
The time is 2:00
